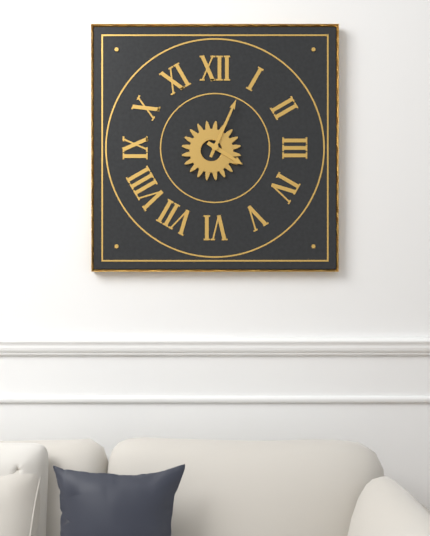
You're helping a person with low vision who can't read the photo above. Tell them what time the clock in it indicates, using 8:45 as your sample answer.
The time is 4:04
